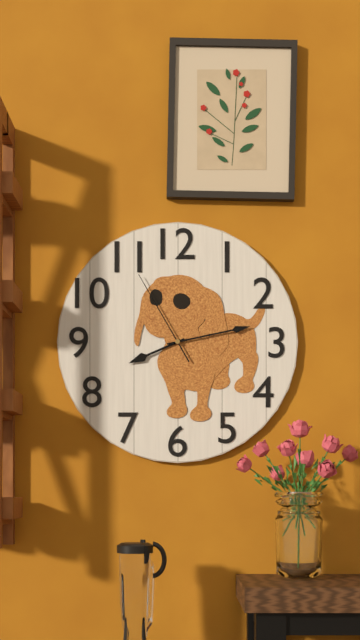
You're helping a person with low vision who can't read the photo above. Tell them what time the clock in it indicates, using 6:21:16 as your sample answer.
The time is 8:13:55
